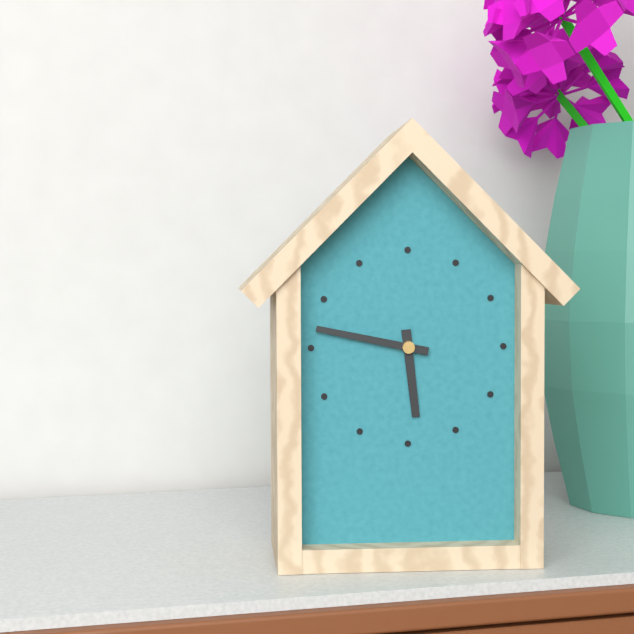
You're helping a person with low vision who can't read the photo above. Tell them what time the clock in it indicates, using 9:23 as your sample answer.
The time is 5:47
